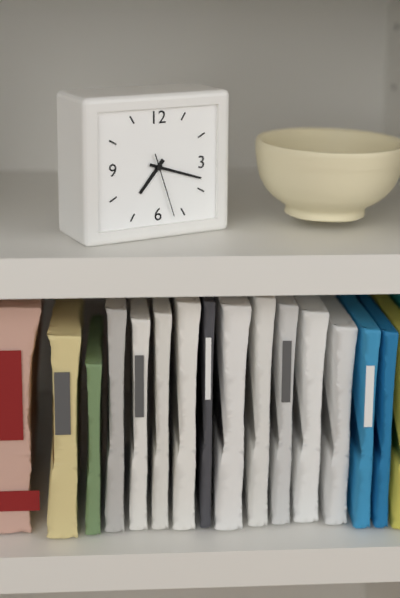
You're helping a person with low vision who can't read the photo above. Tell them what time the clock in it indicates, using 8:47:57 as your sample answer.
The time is 7:18:27
